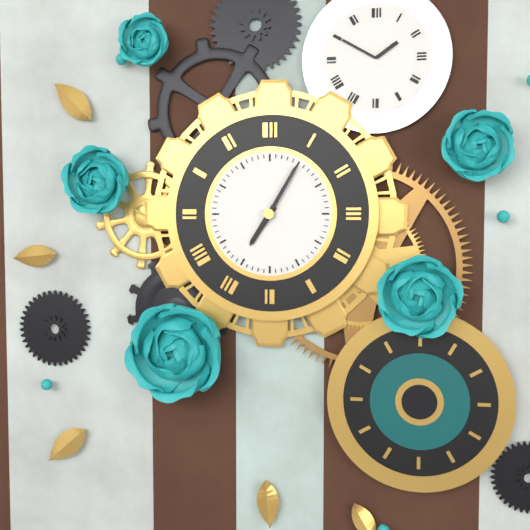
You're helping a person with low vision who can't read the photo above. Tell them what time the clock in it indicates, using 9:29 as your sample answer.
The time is 7:05
